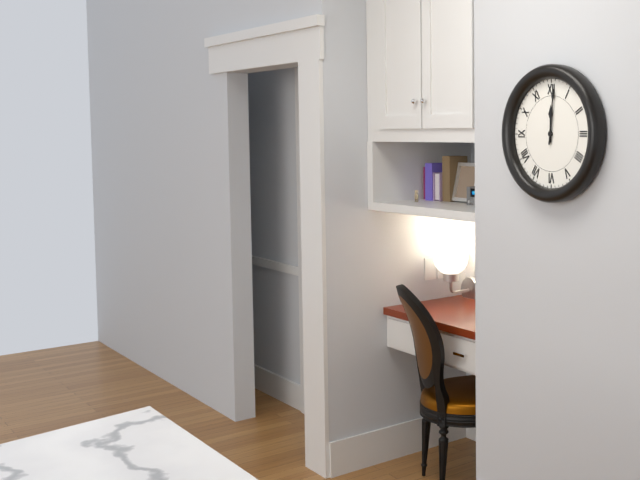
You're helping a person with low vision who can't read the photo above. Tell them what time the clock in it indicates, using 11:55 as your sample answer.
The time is 12:01
